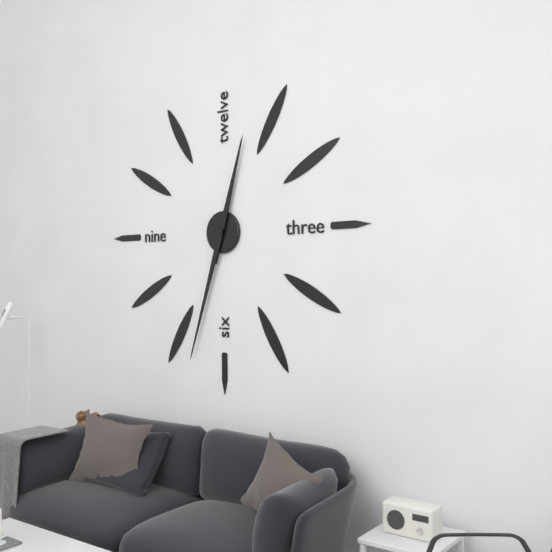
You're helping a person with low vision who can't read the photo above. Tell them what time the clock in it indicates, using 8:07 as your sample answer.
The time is 12:33
